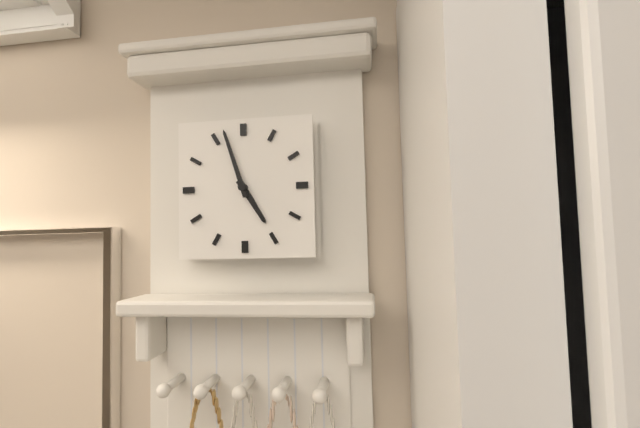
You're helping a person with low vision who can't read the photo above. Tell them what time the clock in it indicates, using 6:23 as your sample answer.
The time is 4:57
